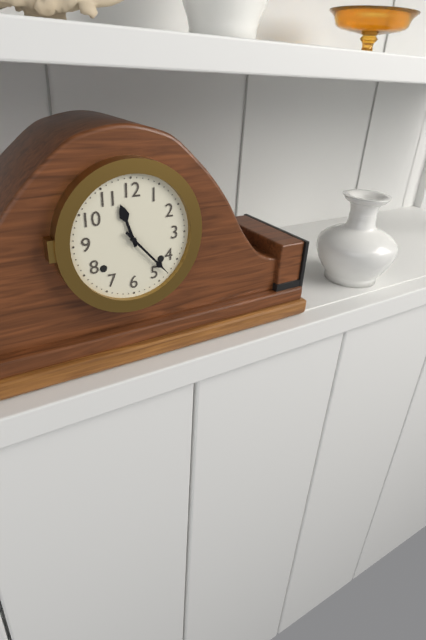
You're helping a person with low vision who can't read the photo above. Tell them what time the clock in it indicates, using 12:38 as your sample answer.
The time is 11:23
